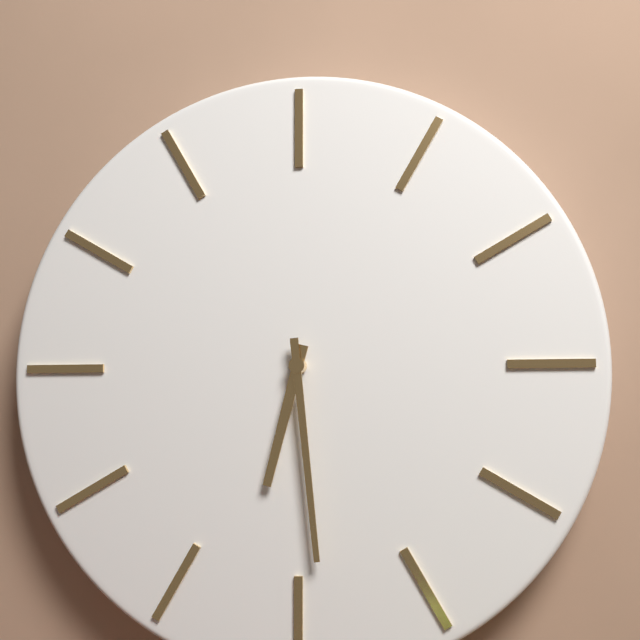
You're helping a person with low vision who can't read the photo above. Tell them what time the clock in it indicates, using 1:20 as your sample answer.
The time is 6:29
